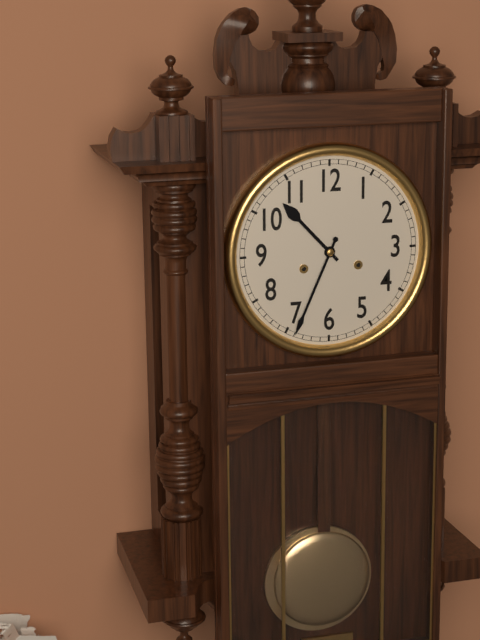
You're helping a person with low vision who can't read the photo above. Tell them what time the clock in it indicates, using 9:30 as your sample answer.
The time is 10:34
